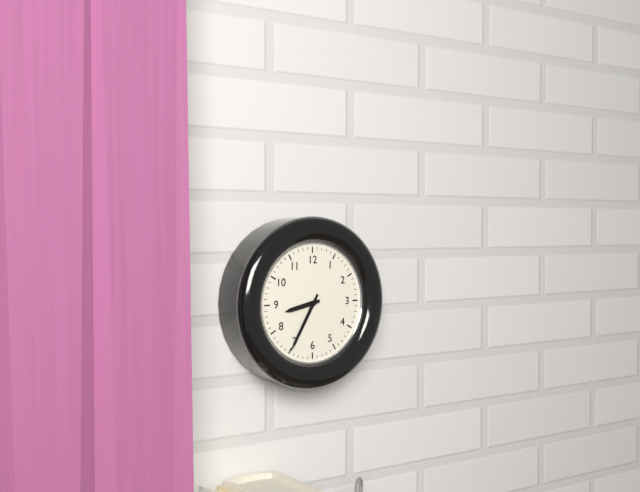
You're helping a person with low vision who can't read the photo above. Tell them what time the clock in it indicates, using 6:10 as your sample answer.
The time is 8:35
